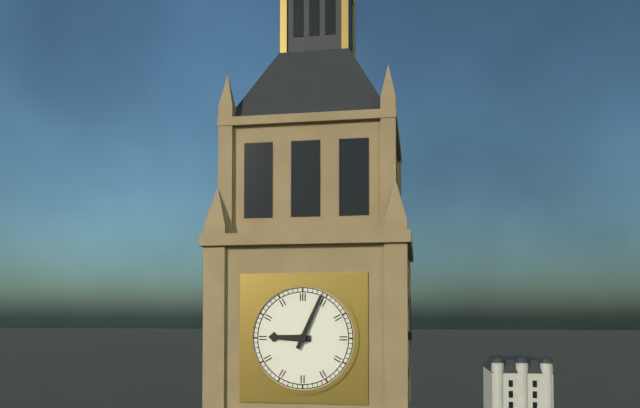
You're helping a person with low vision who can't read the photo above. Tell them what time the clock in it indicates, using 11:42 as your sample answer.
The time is 9:04
